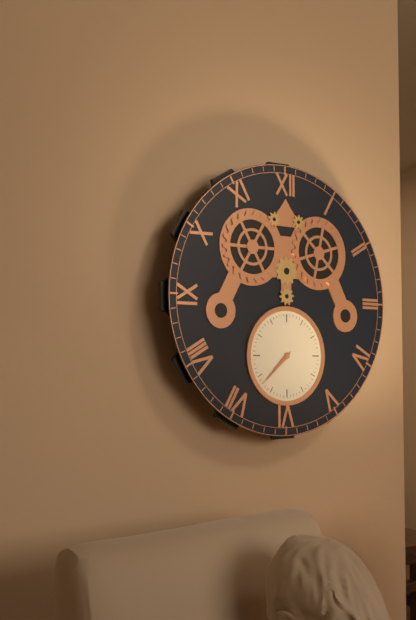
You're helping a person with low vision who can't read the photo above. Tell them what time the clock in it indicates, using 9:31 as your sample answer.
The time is 7:38
